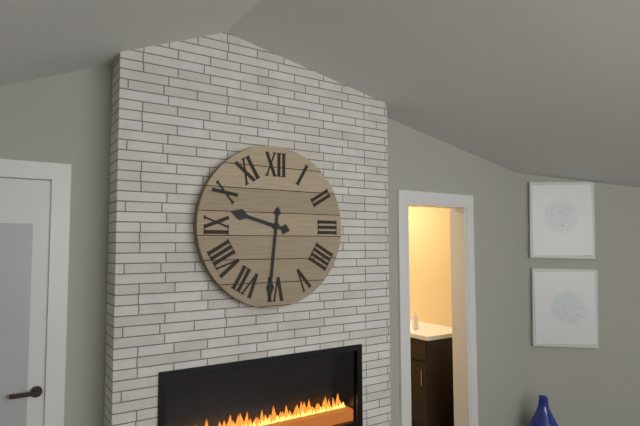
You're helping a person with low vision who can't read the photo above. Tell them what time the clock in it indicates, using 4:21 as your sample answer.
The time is 9:31
